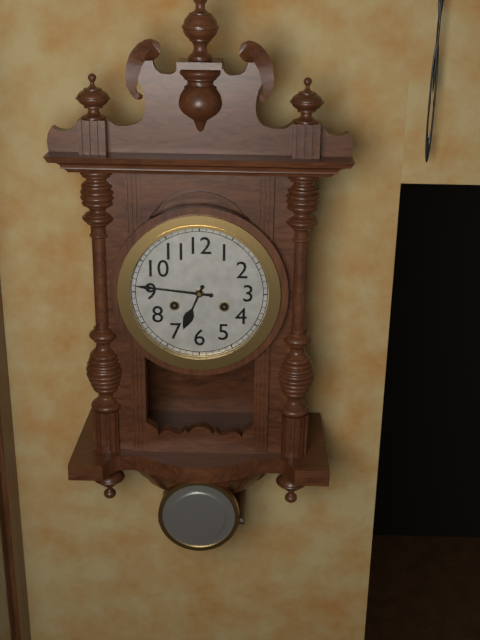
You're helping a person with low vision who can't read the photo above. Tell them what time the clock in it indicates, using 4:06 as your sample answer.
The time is 6:46
